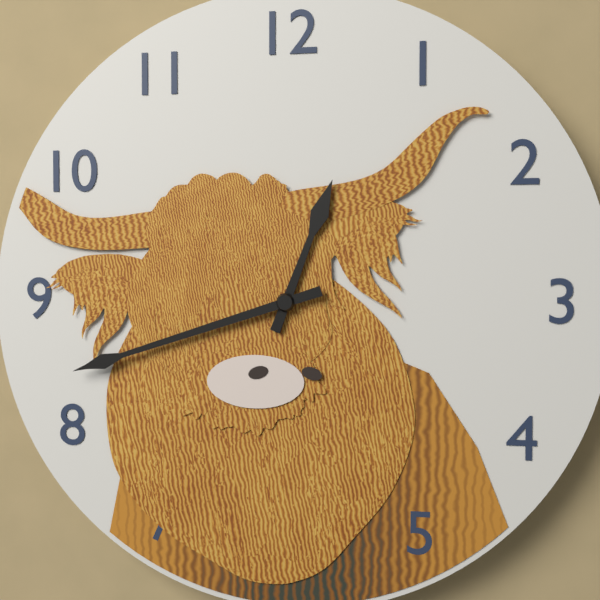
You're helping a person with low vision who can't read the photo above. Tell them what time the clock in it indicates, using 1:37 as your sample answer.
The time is 12:42
